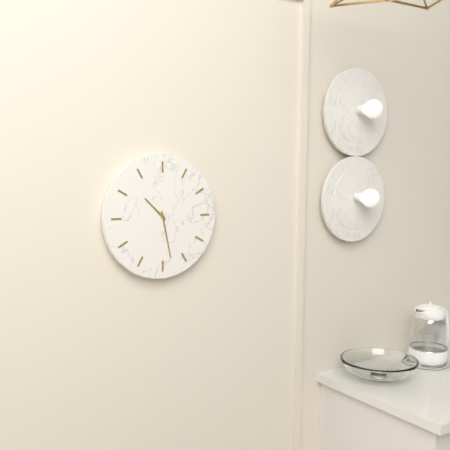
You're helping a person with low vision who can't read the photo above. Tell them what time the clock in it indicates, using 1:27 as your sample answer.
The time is 10:28
